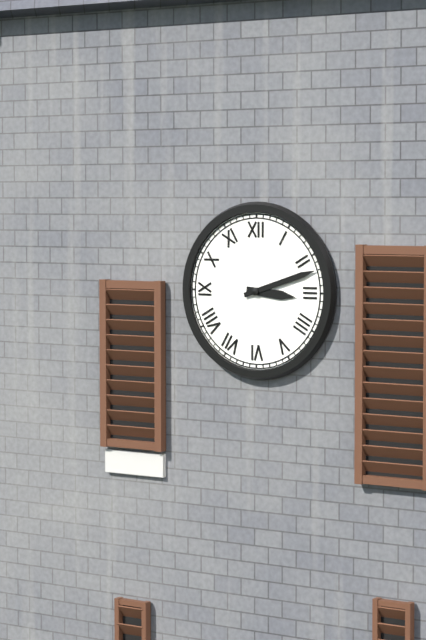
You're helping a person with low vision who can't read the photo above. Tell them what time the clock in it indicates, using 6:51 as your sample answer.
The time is 3:12
